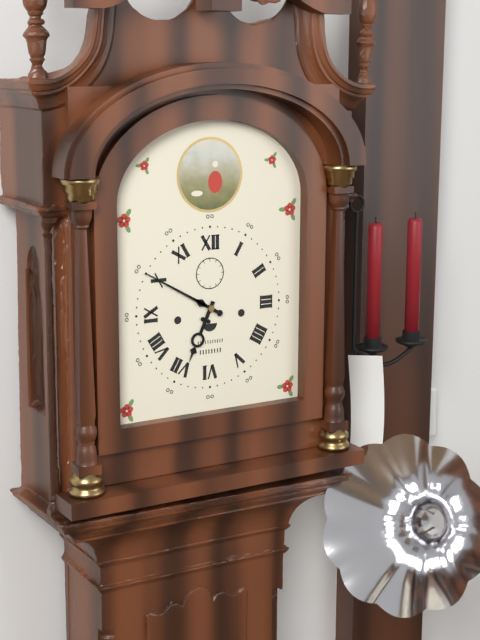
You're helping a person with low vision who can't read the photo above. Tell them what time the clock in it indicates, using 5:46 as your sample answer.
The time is 6:50
